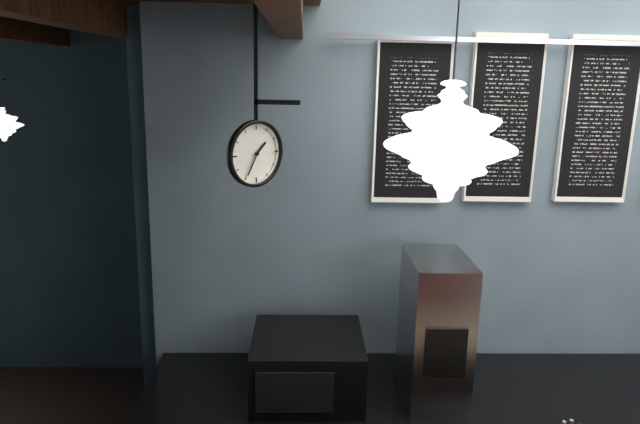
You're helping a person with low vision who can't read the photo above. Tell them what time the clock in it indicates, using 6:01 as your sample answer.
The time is 1:35
